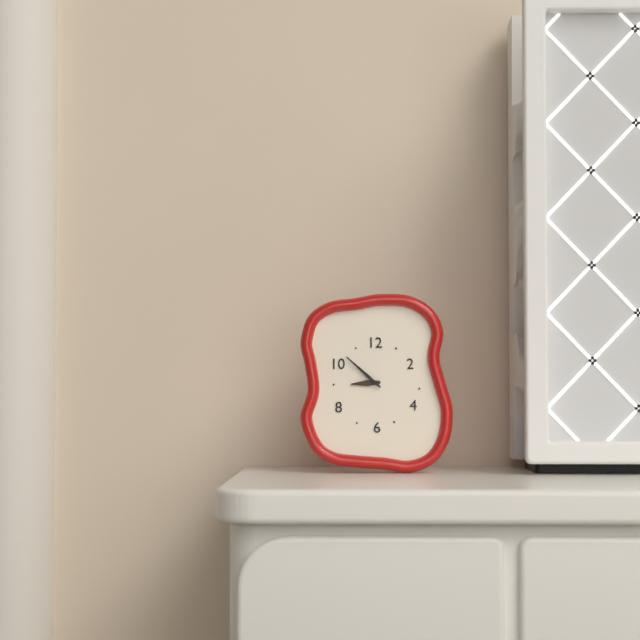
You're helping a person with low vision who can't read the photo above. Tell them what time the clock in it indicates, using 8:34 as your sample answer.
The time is 8:52
